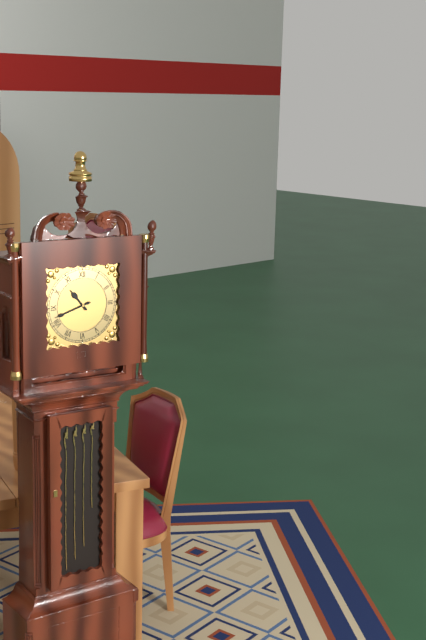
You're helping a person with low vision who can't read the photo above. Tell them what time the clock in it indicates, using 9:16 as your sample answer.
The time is 10:42
